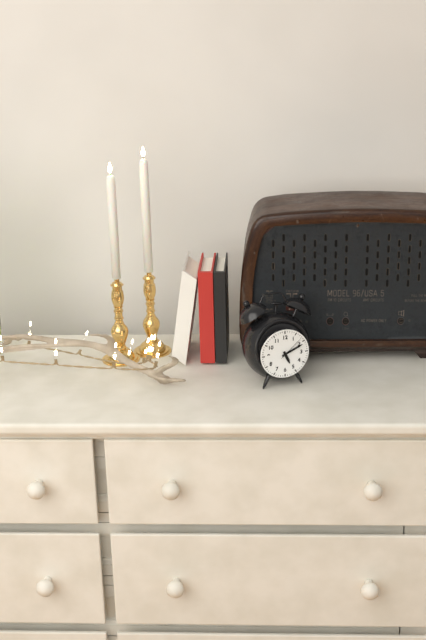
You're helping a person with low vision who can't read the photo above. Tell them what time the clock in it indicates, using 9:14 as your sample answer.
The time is 5:11
